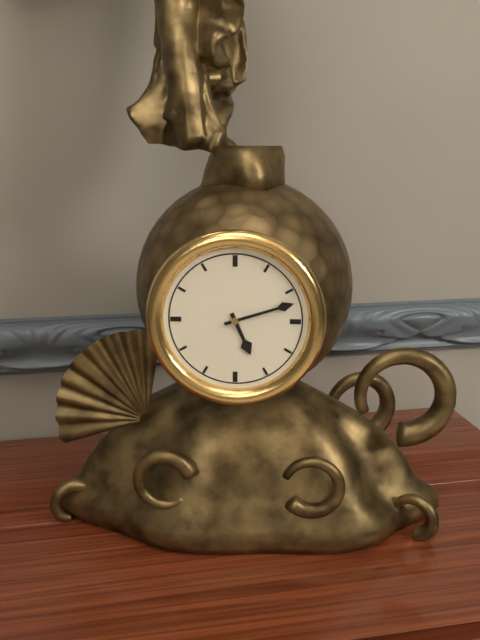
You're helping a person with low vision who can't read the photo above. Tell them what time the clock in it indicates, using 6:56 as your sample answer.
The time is 5:12
